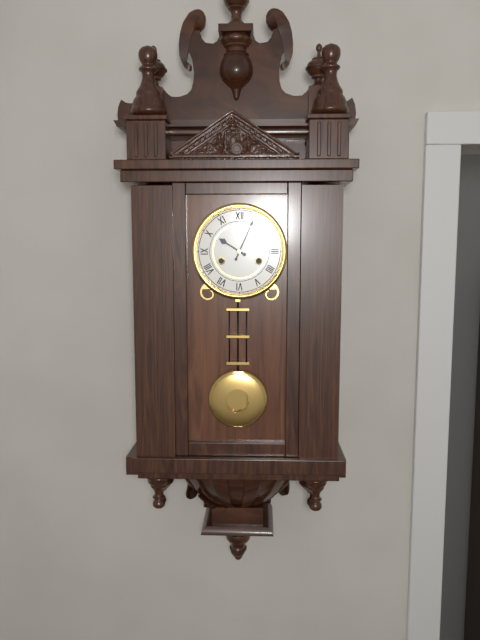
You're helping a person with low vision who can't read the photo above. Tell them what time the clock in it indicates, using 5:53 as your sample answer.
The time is 10:04
